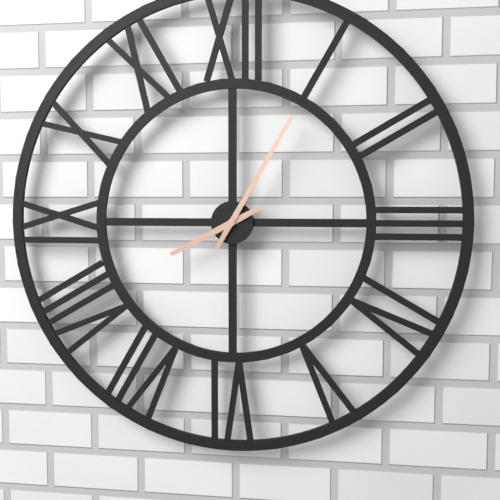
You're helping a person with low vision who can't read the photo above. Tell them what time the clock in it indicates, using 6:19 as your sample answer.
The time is 8:05
